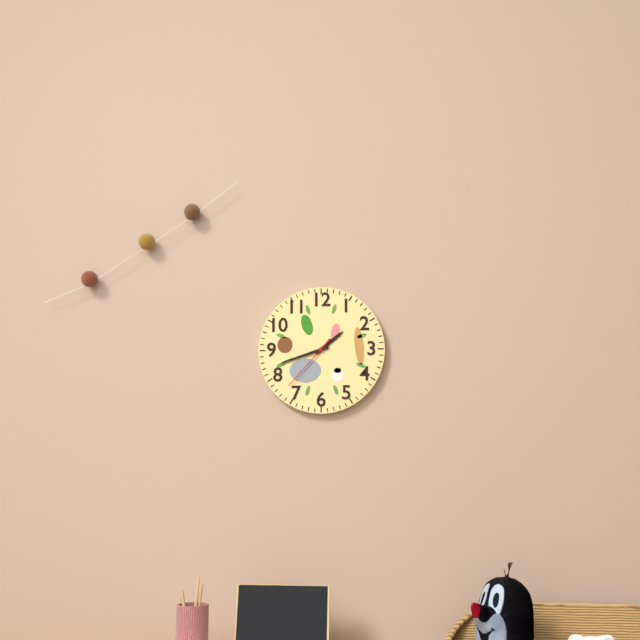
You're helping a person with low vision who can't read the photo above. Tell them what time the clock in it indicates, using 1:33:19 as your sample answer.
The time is 1:42:37
